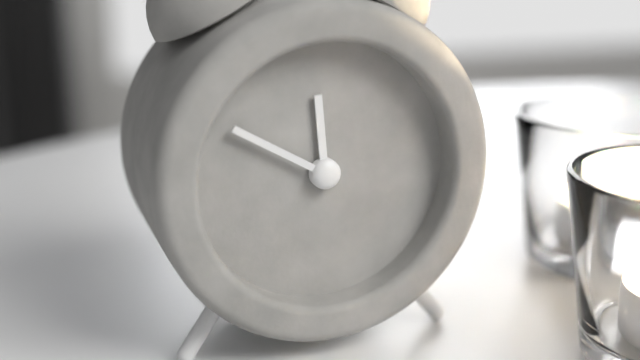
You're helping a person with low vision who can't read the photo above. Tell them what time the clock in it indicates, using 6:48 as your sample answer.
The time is 11:50
